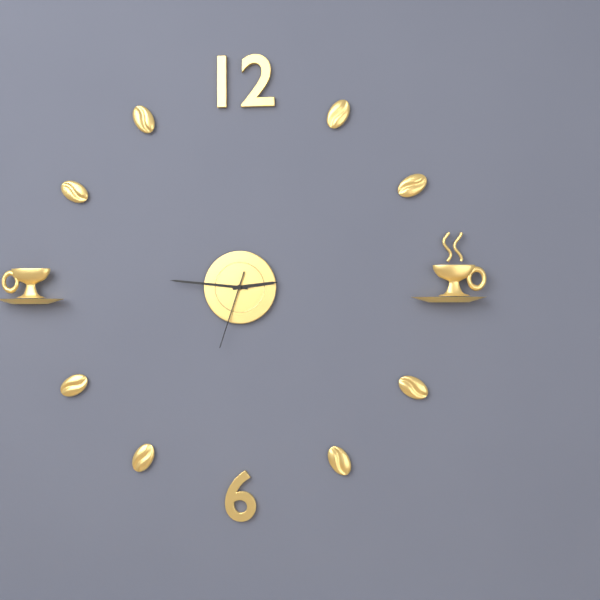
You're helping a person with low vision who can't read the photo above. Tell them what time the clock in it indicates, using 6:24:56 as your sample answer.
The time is 2:46:33
